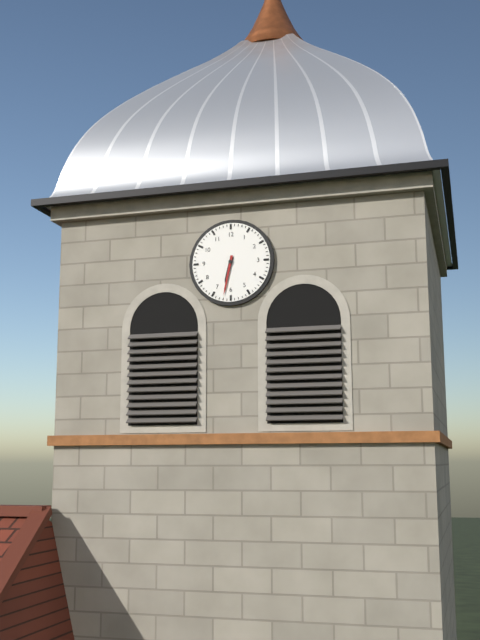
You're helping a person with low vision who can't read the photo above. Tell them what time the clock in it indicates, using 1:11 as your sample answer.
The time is 6:32
